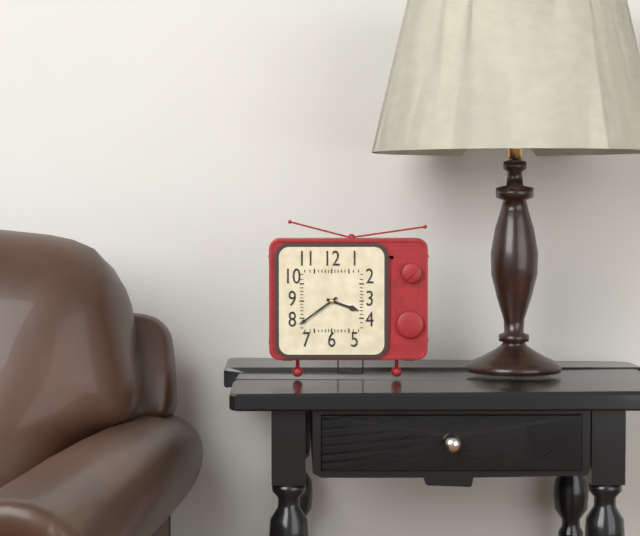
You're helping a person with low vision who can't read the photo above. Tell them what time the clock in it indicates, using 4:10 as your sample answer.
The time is 3:39
